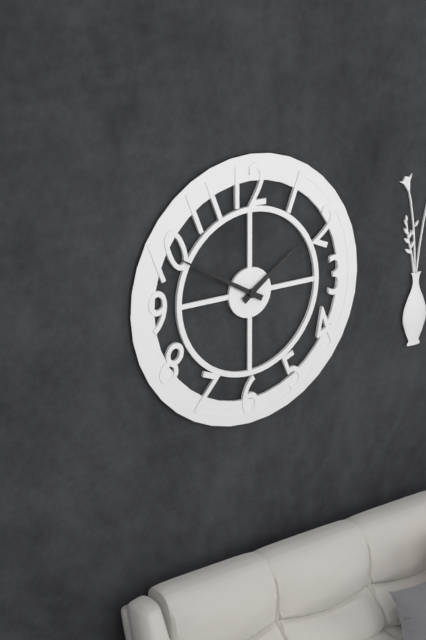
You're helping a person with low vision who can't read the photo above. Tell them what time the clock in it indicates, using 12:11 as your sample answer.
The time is 1:50
